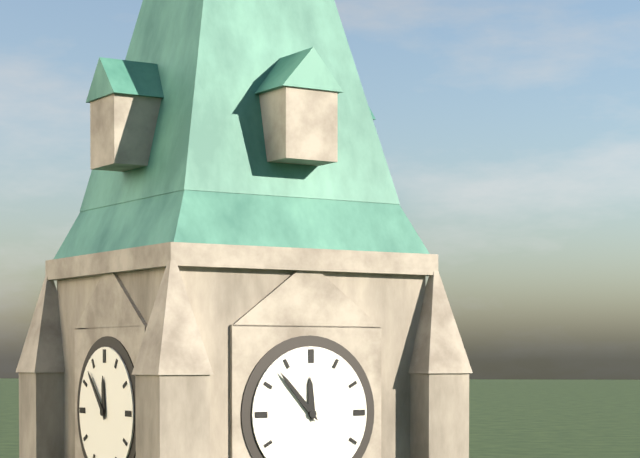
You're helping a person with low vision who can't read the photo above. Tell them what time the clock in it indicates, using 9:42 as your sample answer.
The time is 11:53
